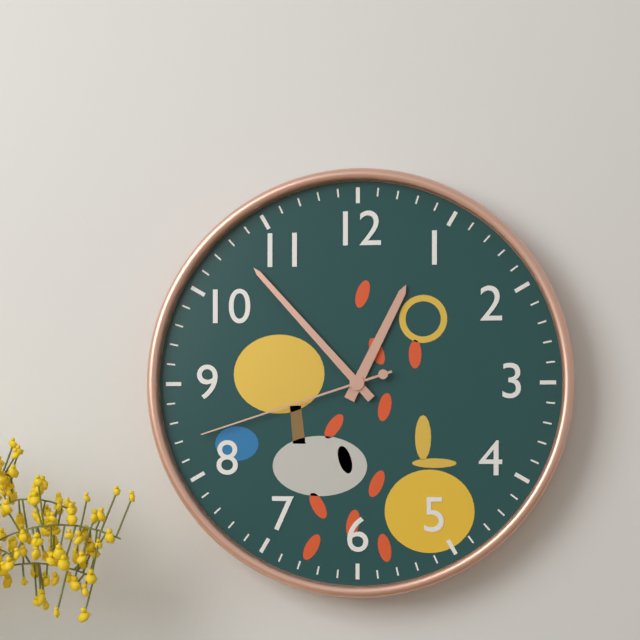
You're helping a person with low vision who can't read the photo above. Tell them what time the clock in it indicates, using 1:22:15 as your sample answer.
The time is 12:53:42
